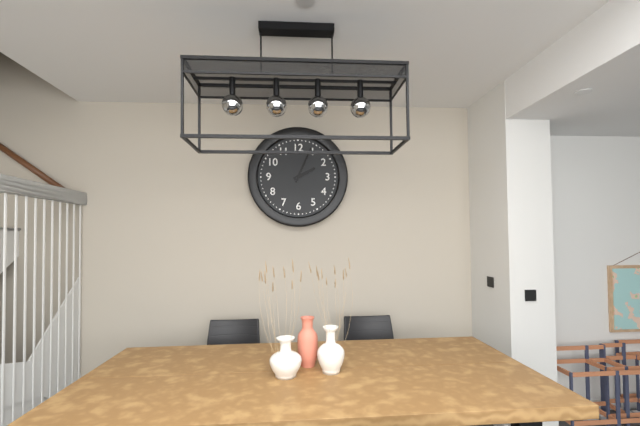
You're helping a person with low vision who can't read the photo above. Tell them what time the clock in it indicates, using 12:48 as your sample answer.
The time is 2:04
